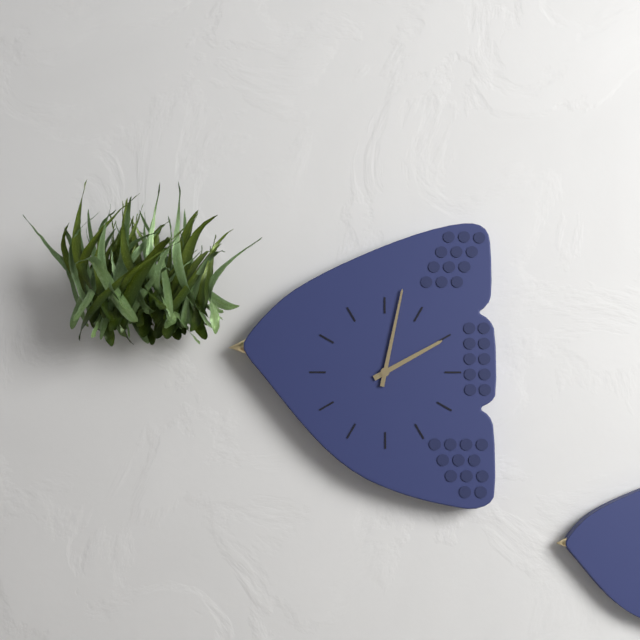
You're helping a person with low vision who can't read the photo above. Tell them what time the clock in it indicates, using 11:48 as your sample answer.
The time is 2:02
